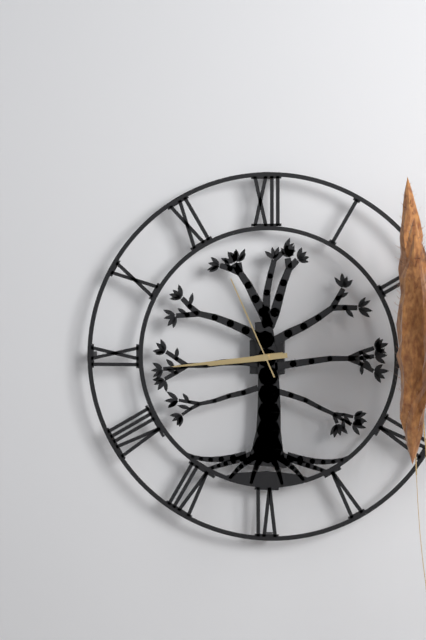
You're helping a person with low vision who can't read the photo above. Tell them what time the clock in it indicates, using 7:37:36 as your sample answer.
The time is 8:44:56
